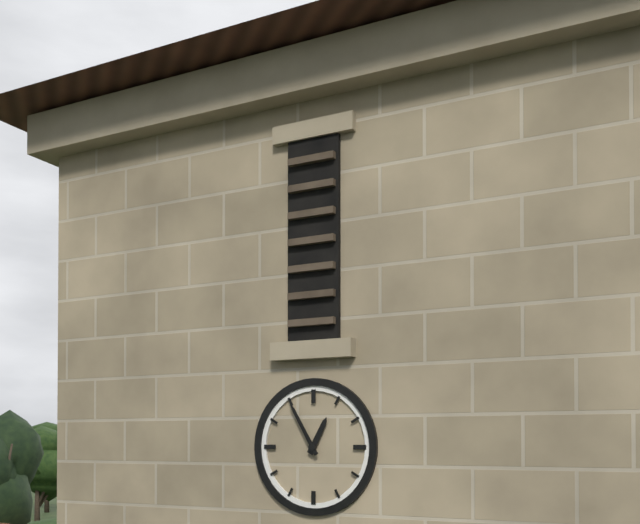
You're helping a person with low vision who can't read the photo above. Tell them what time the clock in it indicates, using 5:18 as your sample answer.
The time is 12:55
